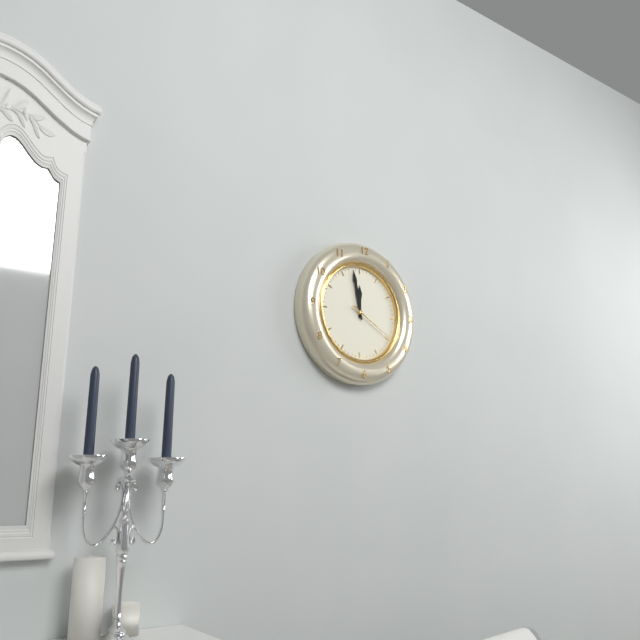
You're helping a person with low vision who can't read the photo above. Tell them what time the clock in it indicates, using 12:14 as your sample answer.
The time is 11:58
